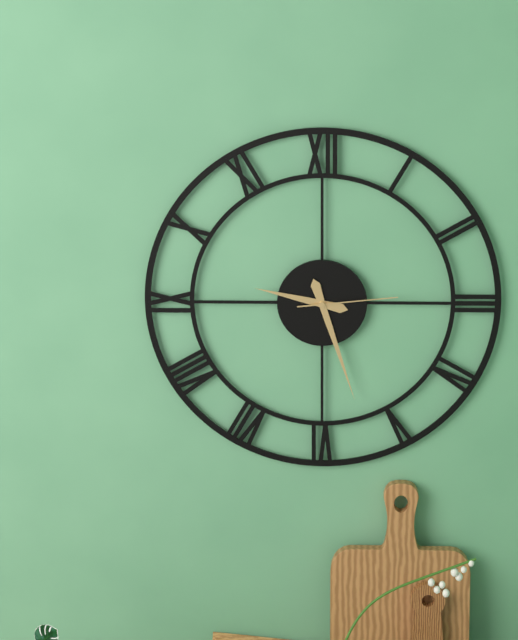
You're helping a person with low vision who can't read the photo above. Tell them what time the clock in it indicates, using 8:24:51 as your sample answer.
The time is 9:27:14
